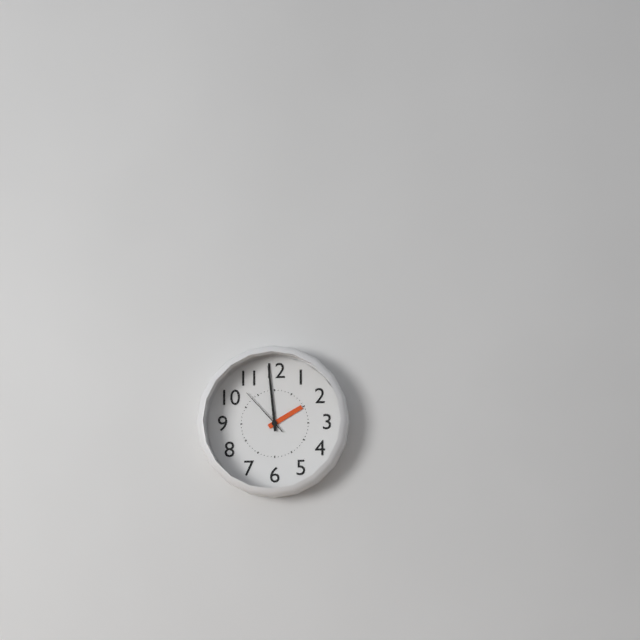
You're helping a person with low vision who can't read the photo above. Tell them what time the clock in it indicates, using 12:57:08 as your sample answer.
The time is 1:59:53
